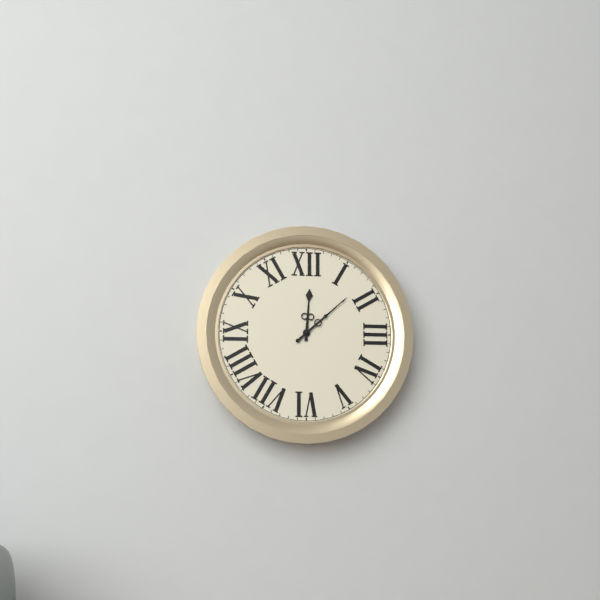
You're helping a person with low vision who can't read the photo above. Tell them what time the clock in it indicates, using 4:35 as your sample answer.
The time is 12:08
